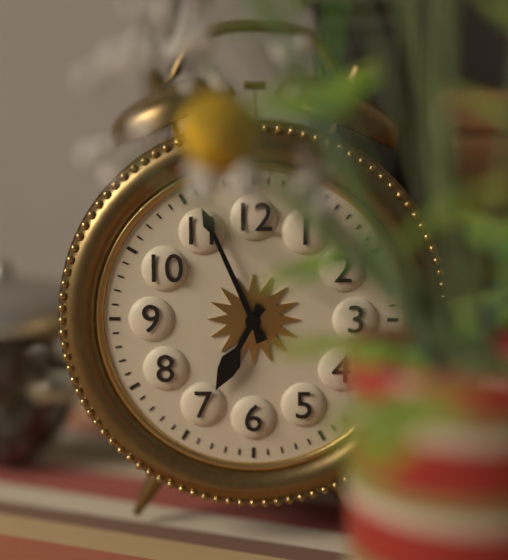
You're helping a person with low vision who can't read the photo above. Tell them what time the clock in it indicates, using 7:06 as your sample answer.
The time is 6:56
